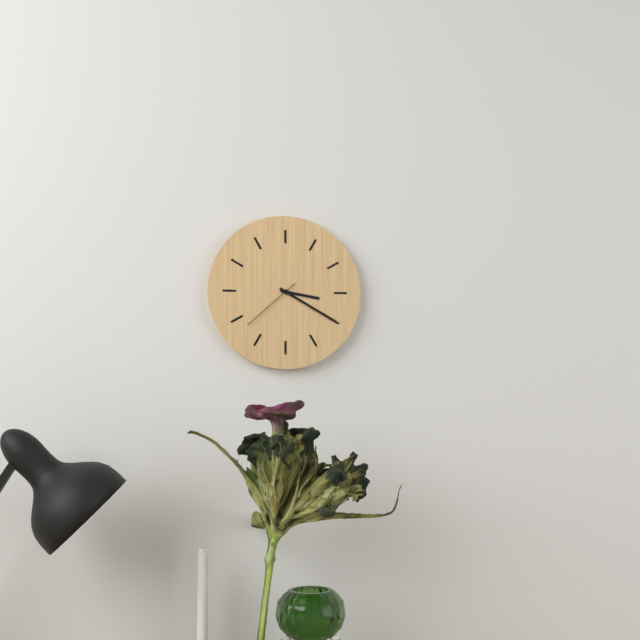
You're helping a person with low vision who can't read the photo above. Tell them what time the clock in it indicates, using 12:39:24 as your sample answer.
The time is 3:20:38
